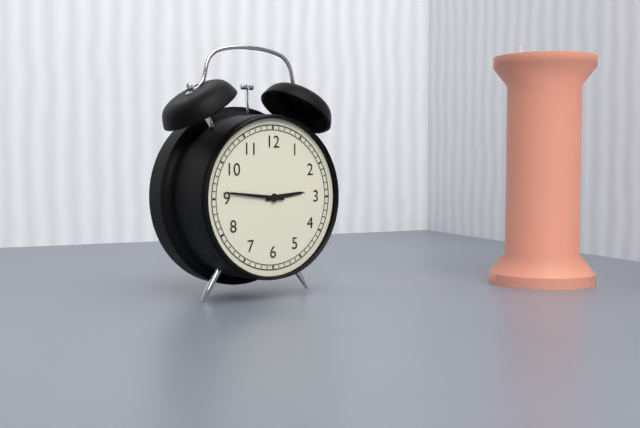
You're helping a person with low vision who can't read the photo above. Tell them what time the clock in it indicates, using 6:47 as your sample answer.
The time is 2:46
